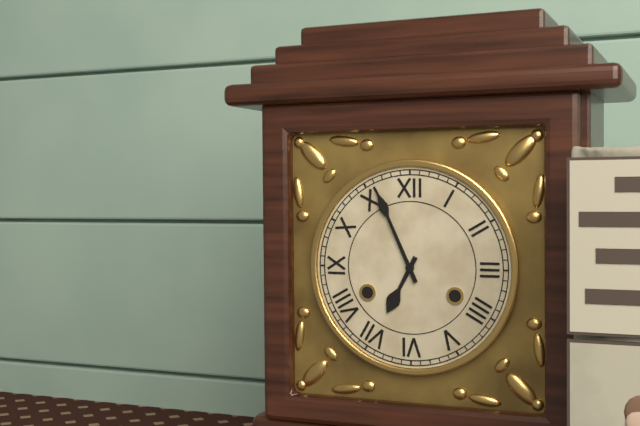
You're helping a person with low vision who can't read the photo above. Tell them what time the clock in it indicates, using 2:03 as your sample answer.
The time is 6:56
